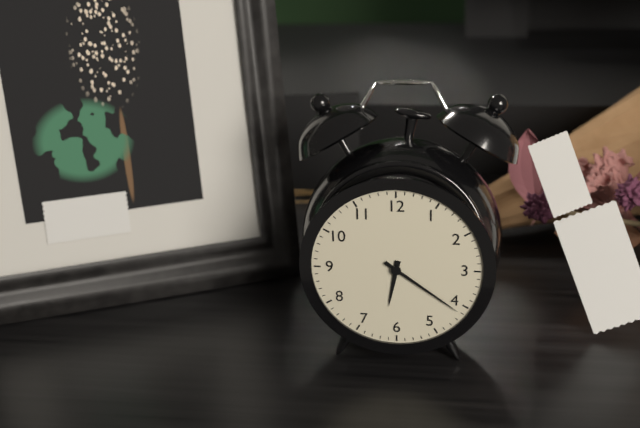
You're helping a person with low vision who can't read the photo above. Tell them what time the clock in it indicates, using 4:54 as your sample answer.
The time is 6:21
